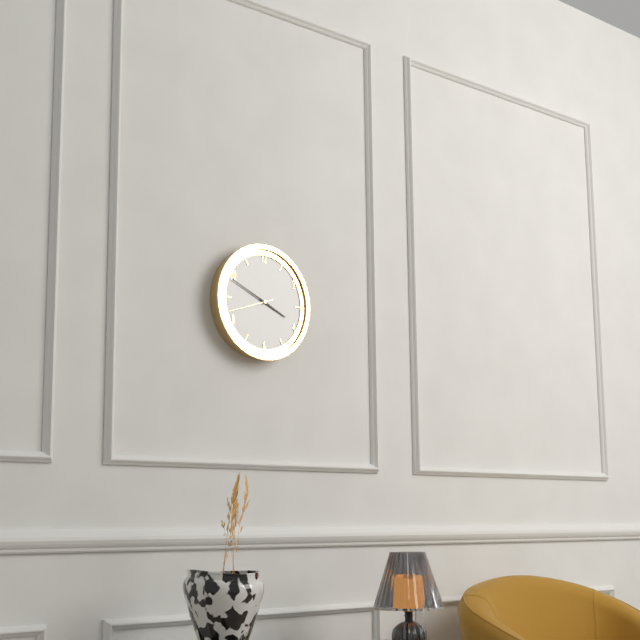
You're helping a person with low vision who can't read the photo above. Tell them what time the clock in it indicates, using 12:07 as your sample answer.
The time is 3:49
